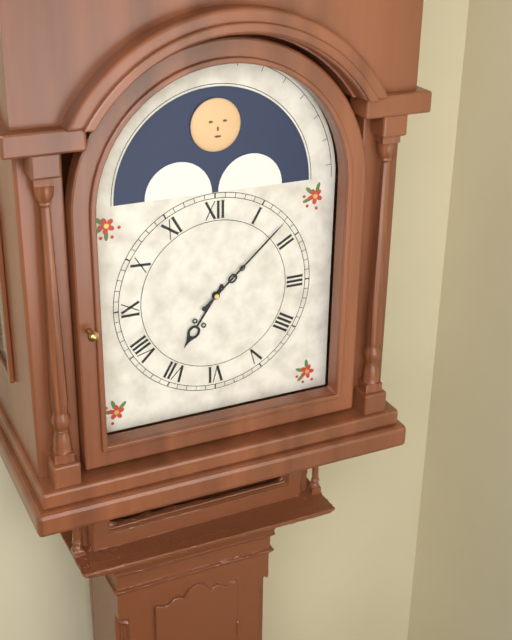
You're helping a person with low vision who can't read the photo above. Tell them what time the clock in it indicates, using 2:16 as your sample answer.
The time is 7:08
